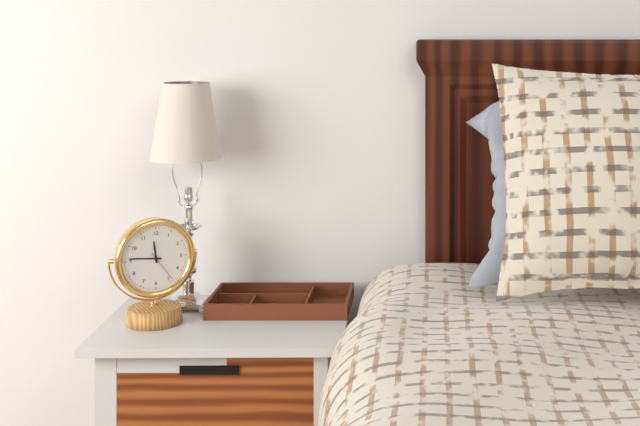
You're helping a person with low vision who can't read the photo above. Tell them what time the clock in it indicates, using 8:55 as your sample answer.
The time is 11:46
